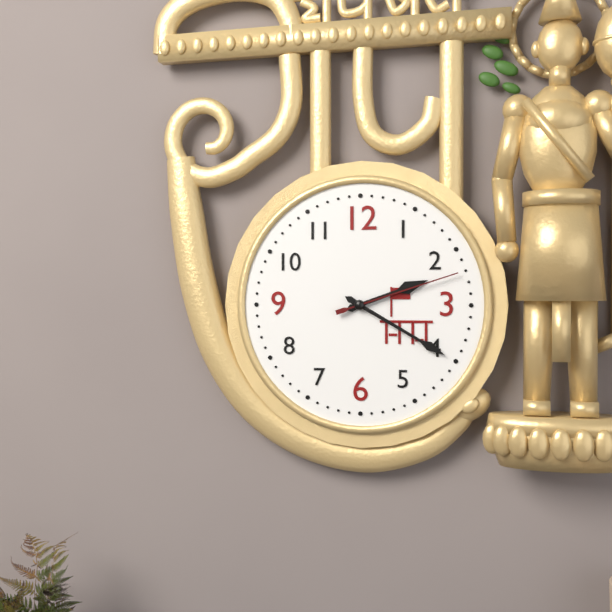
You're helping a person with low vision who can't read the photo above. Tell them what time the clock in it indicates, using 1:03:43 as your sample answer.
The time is 2:20:12
